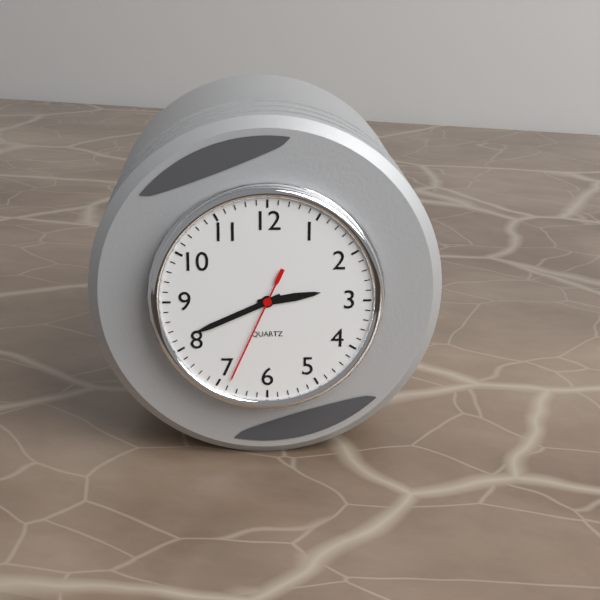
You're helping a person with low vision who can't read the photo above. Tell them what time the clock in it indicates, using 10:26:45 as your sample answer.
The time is 2:41:34
